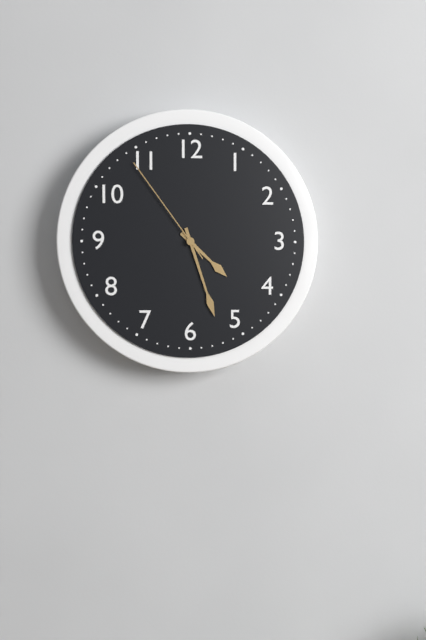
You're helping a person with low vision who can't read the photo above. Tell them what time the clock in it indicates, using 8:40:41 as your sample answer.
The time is 4:27:54
